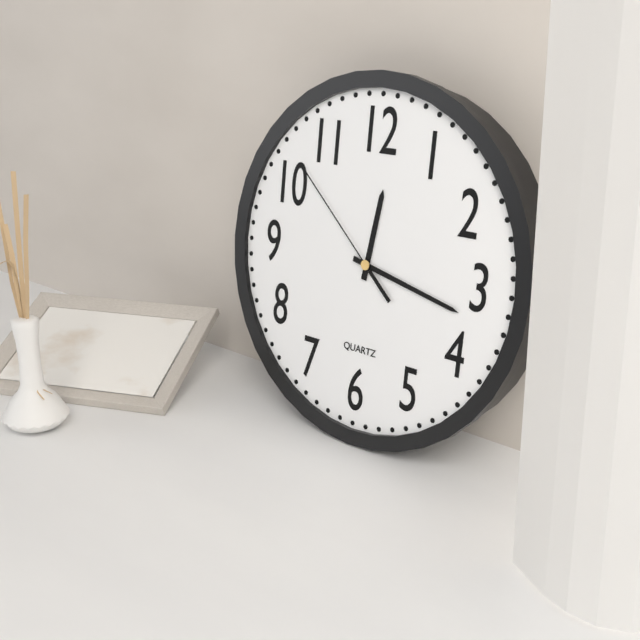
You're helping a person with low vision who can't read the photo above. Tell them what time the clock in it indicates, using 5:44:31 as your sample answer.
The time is 12:17:52
